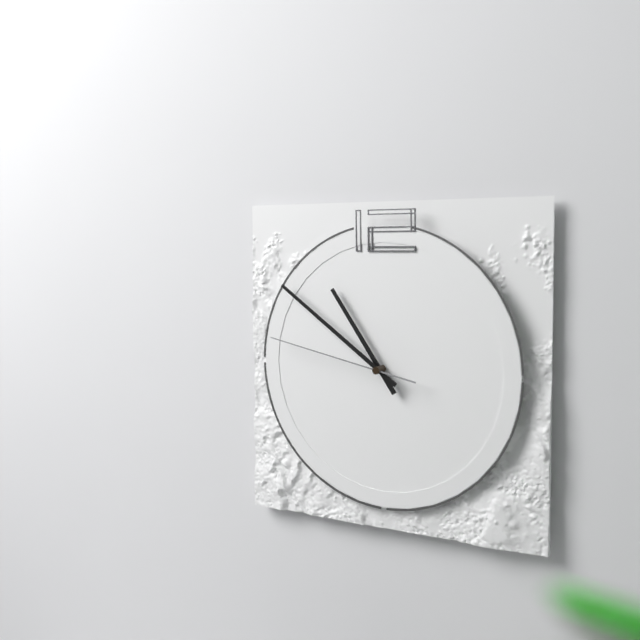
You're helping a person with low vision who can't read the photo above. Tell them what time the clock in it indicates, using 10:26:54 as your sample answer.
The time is 10:51:47
